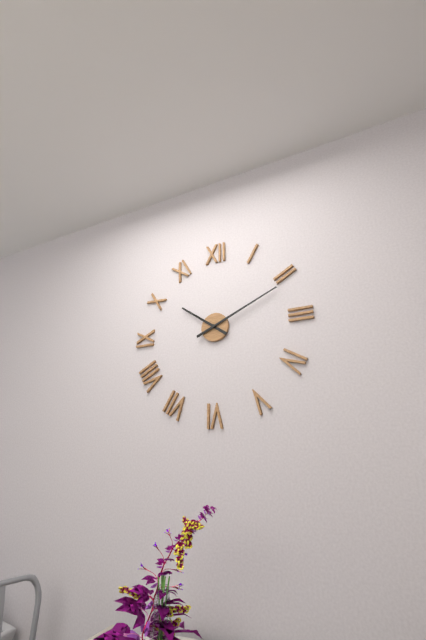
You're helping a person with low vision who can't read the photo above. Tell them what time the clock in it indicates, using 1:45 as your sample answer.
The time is 10:11
